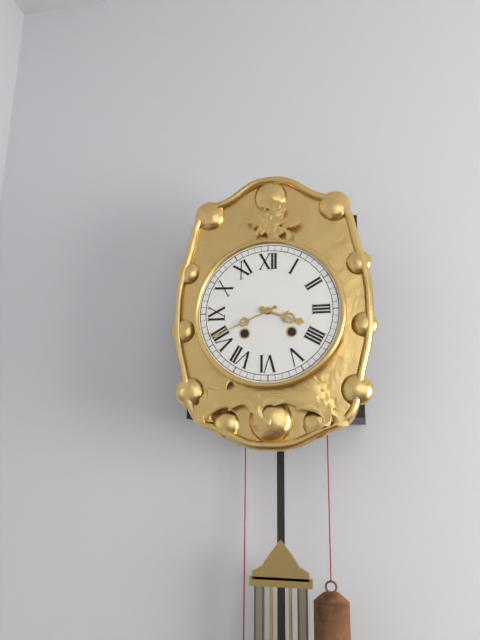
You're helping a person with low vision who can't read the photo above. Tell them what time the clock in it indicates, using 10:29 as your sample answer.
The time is 3:41
